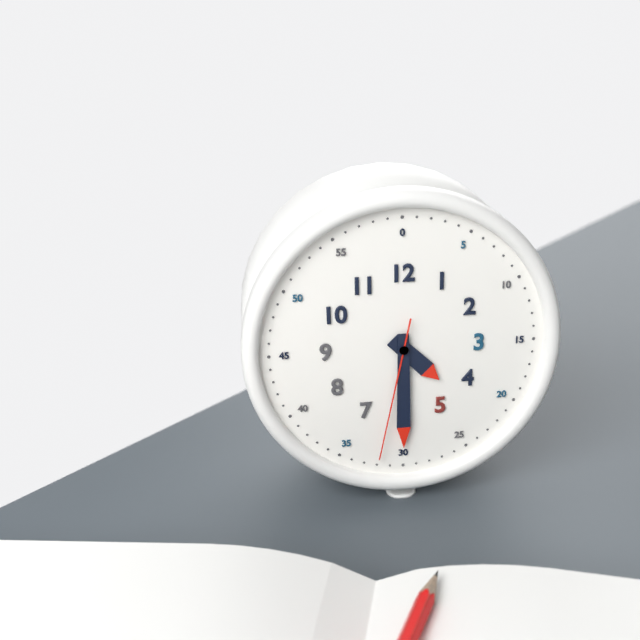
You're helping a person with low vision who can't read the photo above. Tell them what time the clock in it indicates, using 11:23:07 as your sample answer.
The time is 4:30:32
